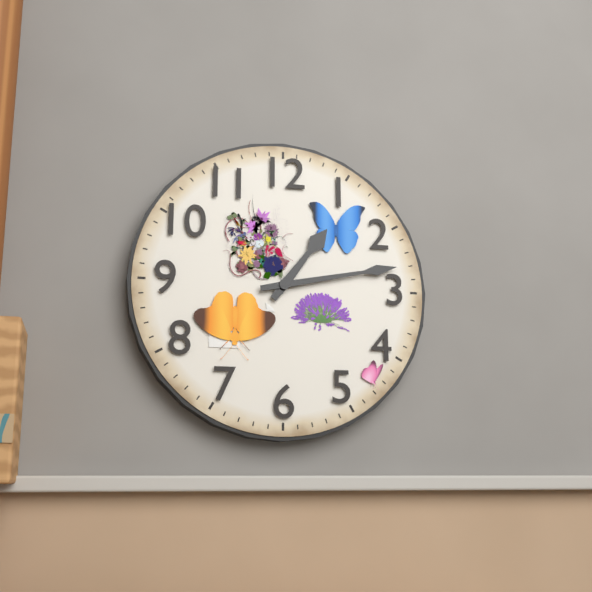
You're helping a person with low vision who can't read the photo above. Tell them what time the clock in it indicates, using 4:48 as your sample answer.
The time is 1:13
